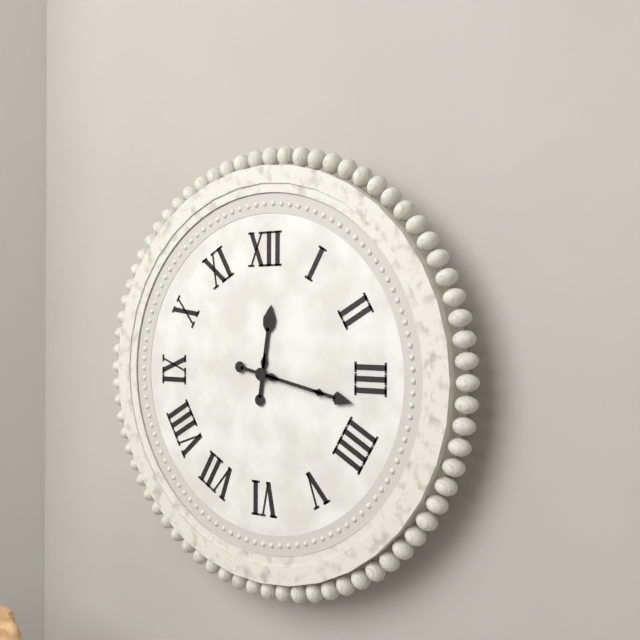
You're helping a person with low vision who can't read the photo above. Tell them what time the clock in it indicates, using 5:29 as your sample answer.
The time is 12:17
